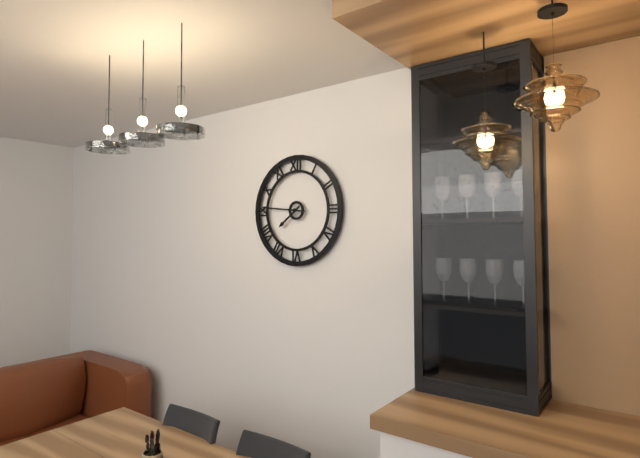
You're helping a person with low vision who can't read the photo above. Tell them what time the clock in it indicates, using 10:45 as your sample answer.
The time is 7:46
